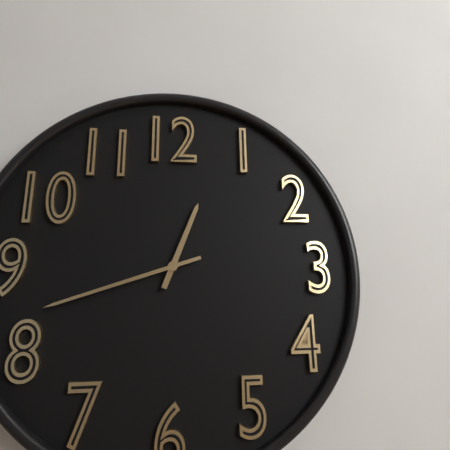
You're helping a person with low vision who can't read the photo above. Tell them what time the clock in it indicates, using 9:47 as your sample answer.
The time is 12:42
